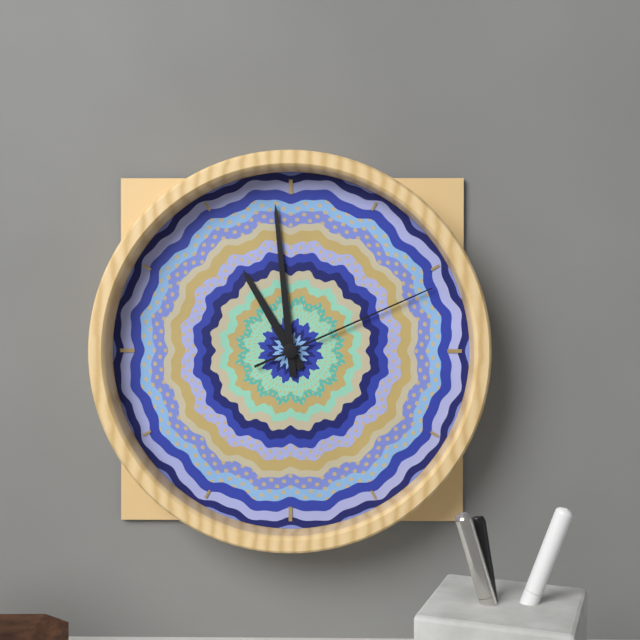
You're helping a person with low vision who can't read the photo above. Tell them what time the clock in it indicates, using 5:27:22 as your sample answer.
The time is 10:59:11
